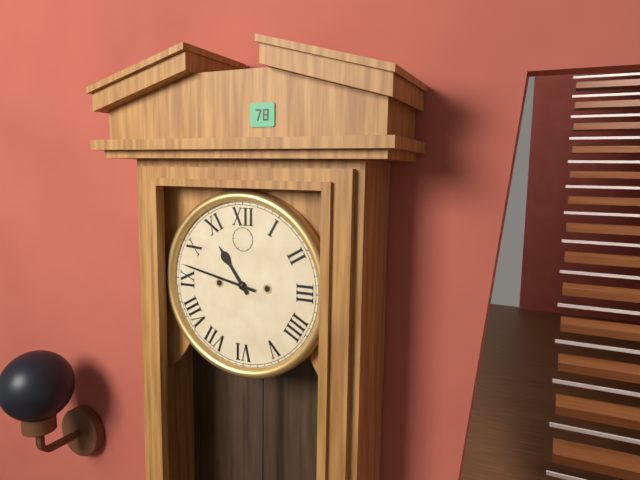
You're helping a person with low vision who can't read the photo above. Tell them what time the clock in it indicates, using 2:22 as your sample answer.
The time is 10:47
